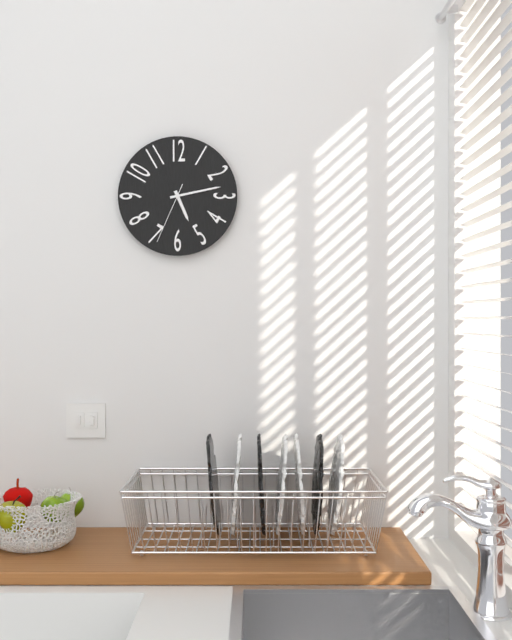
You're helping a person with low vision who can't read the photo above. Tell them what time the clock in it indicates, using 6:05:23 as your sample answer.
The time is 5:13:34
